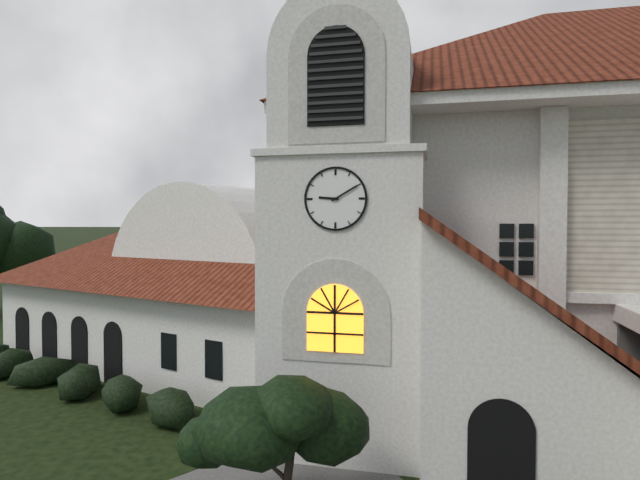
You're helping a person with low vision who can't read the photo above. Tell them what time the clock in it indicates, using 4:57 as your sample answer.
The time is 9:10
